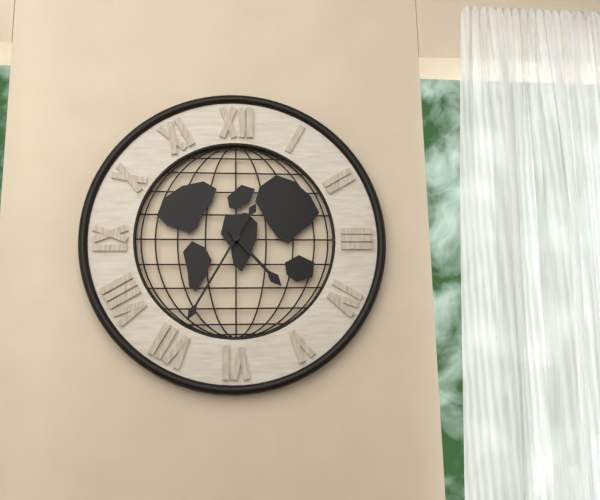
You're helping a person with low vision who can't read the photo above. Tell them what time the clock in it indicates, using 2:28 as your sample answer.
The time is 4:35
